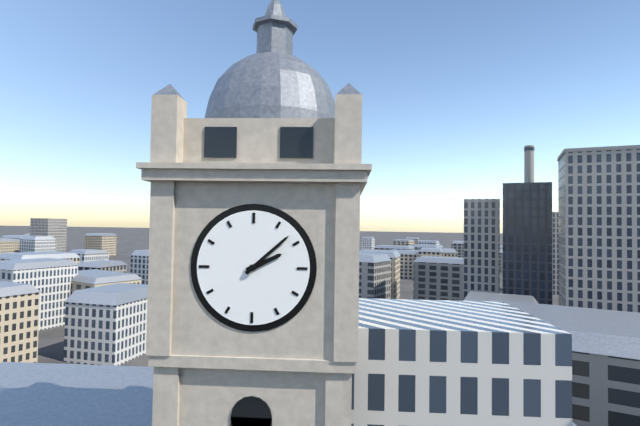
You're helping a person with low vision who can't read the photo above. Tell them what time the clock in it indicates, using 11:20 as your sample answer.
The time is 2:08
